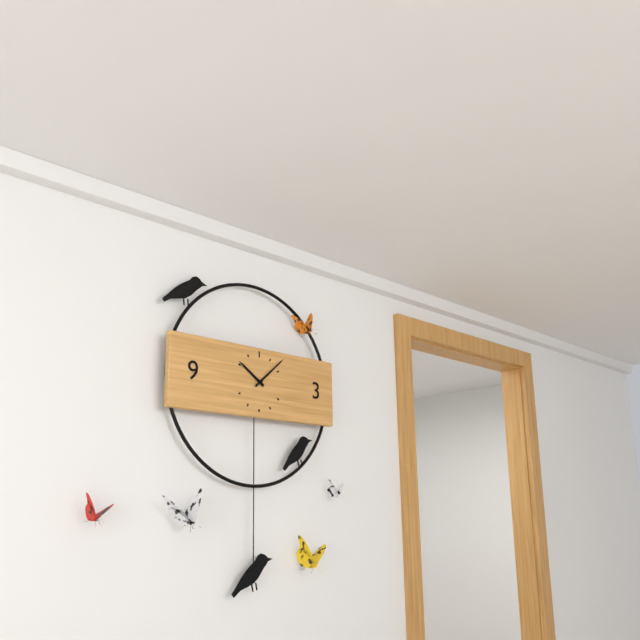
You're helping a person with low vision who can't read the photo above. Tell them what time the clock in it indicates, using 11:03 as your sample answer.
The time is 10:08
